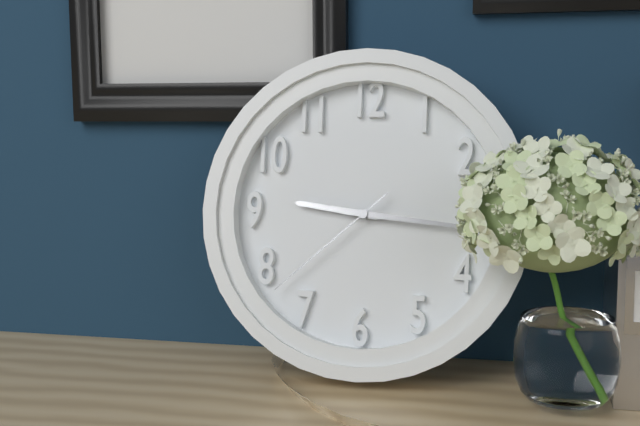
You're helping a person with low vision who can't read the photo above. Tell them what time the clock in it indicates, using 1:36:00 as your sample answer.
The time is 9:16:38
